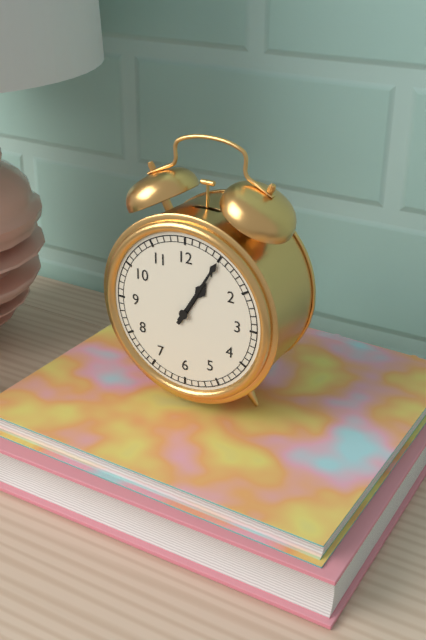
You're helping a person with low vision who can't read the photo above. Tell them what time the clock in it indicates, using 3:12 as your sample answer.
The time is 1:05
